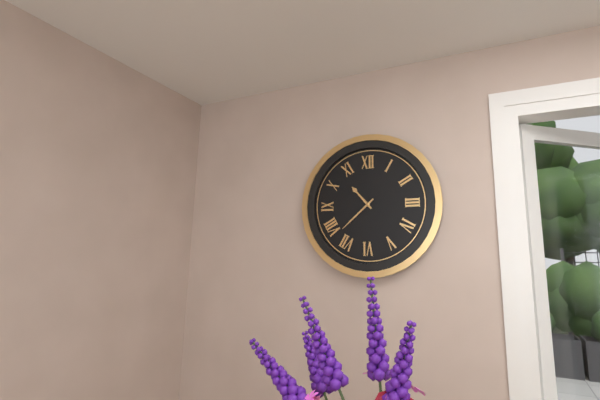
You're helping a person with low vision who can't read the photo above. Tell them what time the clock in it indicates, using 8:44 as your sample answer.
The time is 10:38
